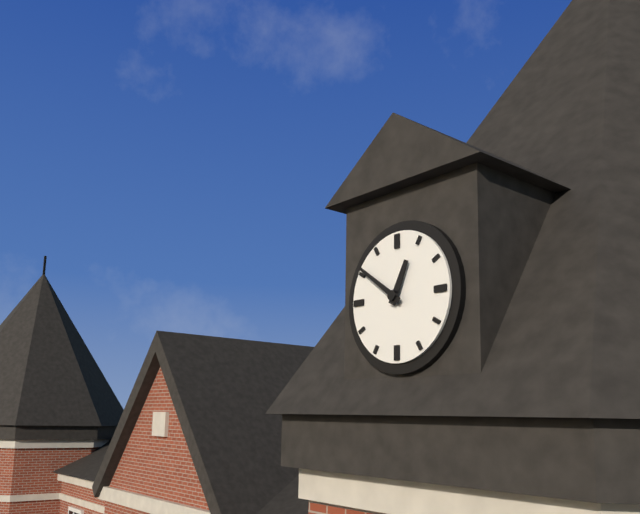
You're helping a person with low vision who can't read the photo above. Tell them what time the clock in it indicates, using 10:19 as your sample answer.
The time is 12:51
